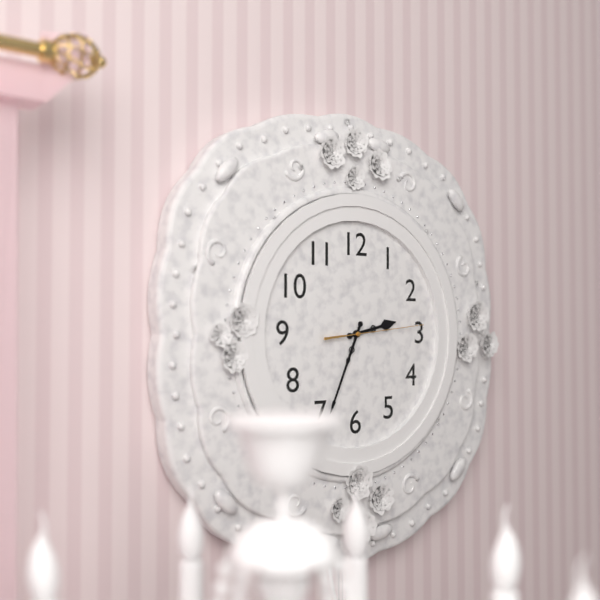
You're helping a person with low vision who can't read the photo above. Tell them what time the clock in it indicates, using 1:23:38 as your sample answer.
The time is 2:34:14
